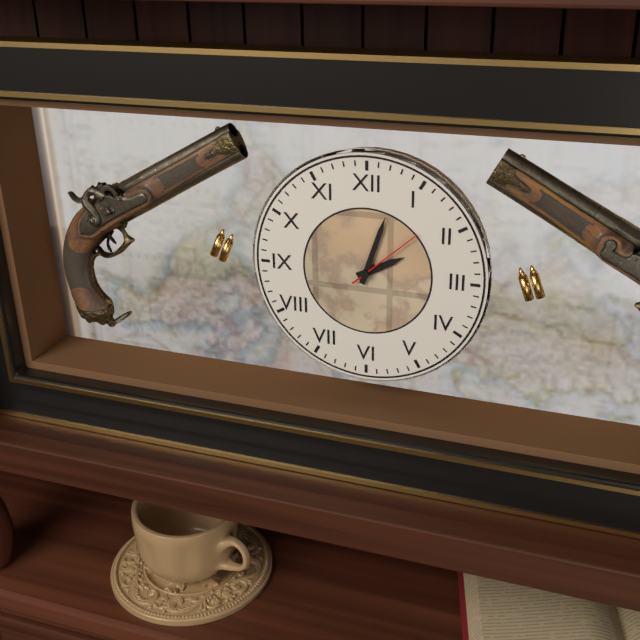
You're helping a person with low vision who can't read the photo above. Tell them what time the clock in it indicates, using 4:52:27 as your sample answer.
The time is 2:03:08
